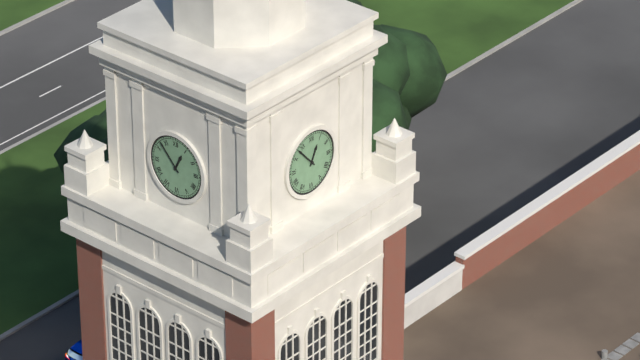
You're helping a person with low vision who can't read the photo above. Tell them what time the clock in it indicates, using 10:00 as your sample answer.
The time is 12:53
